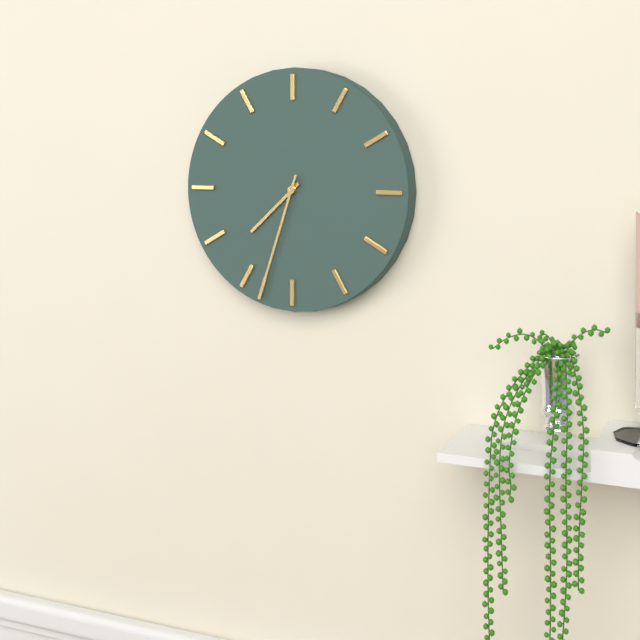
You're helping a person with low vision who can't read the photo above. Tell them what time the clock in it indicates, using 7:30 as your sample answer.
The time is 7:33
